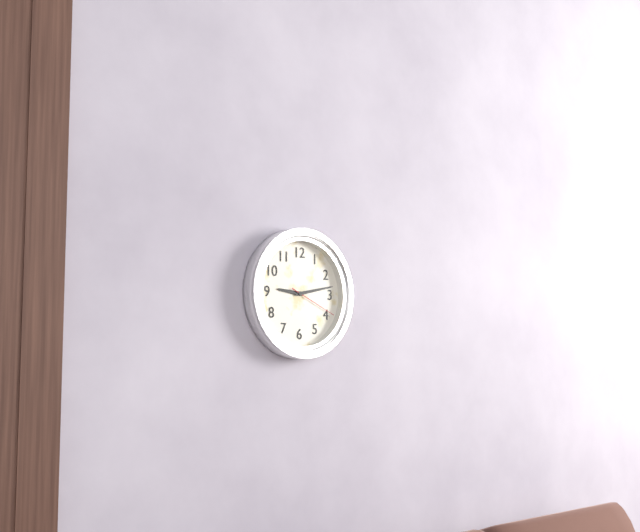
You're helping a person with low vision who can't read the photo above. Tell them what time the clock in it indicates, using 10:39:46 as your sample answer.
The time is 9:13:19
